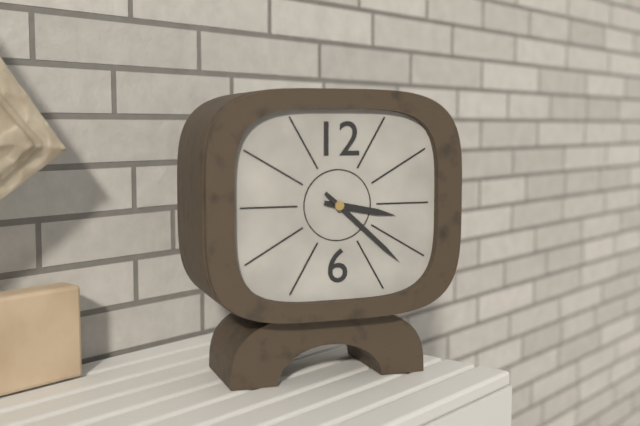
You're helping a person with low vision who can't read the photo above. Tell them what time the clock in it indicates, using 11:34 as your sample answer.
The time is 3:22
